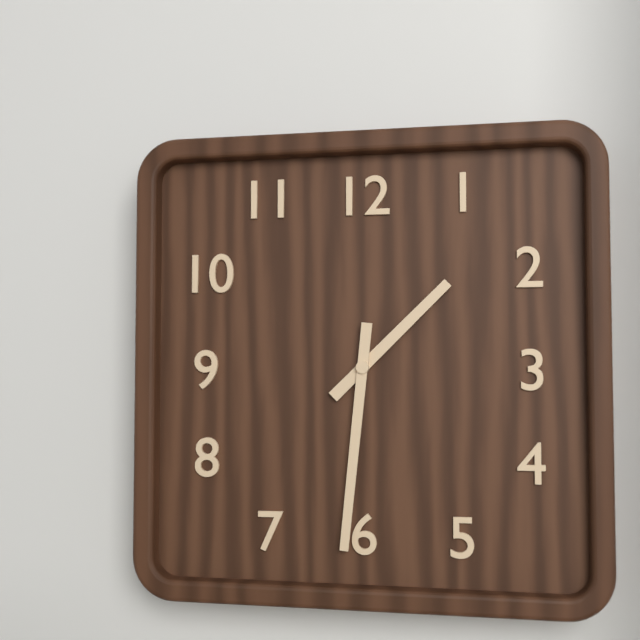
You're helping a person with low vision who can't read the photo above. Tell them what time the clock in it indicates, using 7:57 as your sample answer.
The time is 1:31
